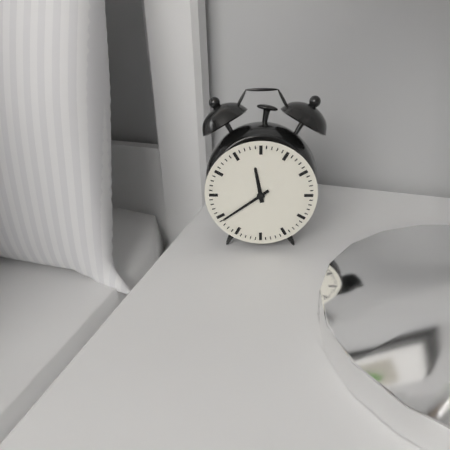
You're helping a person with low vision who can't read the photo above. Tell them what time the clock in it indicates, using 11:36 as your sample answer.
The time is 11:39
